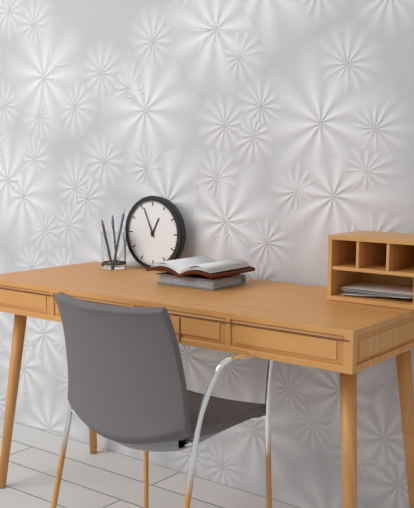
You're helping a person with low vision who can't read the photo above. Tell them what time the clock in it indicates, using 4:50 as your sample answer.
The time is 12:56
